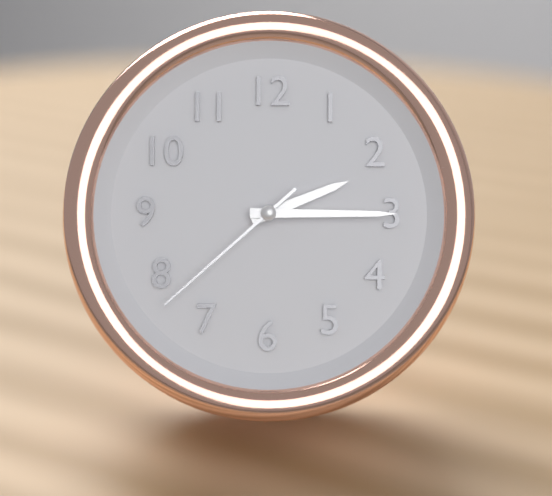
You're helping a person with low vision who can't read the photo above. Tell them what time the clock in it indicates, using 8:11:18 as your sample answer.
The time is 2:15:38
